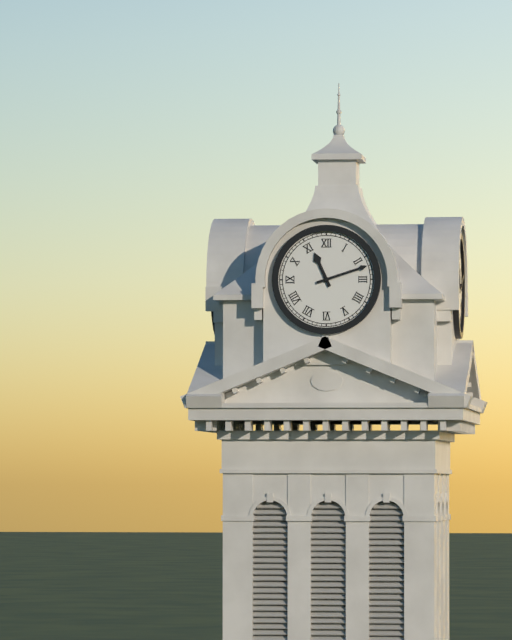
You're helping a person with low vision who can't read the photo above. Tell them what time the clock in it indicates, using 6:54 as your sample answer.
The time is 11:12
